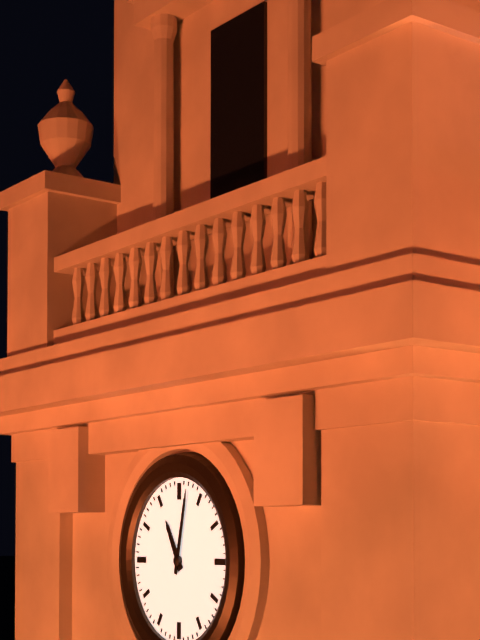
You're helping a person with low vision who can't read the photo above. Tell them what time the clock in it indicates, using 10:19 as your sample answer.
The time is 11:02
